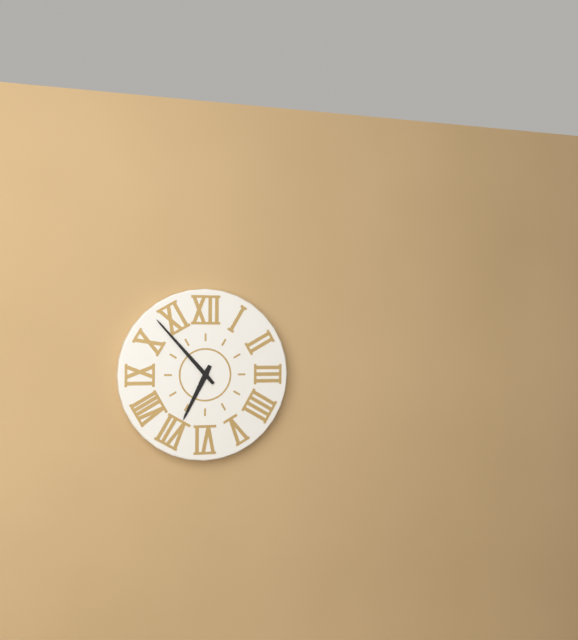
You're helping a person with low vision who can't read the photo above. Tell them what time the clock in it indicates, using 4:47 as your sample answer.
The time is 6:53
